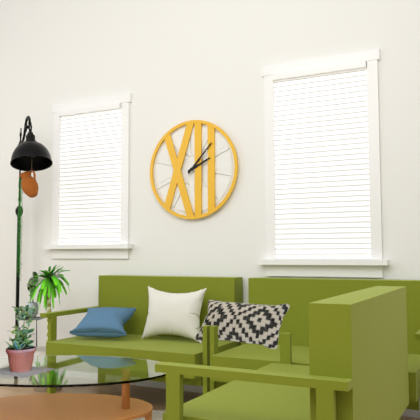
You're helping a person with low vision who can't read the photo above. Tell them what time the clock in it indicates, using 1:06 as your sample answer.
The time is 2:07
